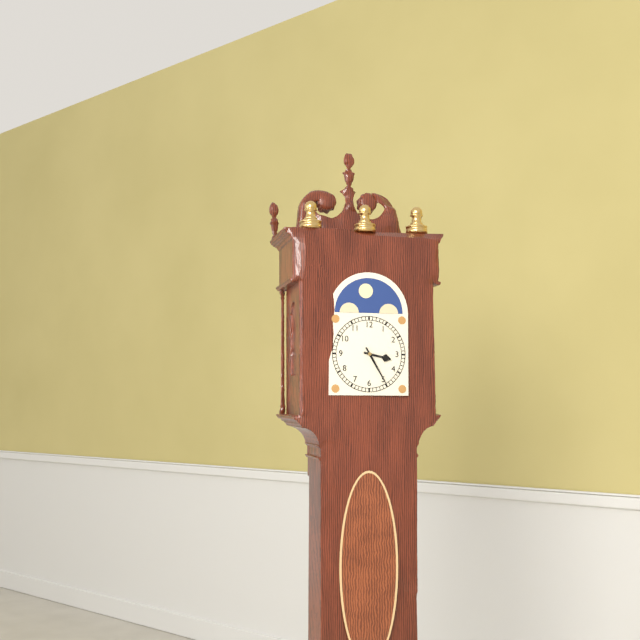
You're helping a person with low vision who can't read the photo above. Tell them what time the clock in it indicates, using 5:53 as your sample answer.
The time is 3:25
